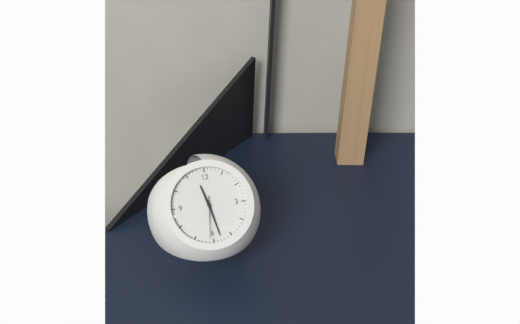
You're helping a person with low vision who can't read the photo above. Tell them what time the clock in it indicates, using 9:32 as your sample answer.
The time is 11:28
